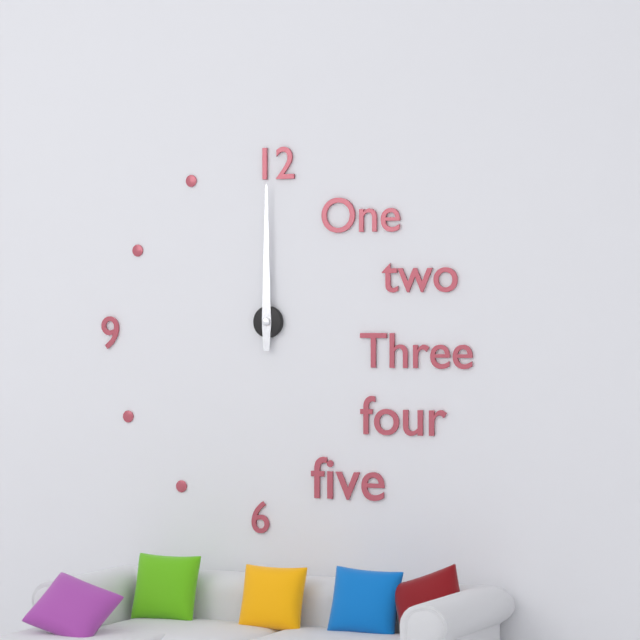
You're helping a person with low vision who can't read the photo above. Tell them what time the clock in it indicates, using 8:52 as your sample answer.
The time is 12:00
